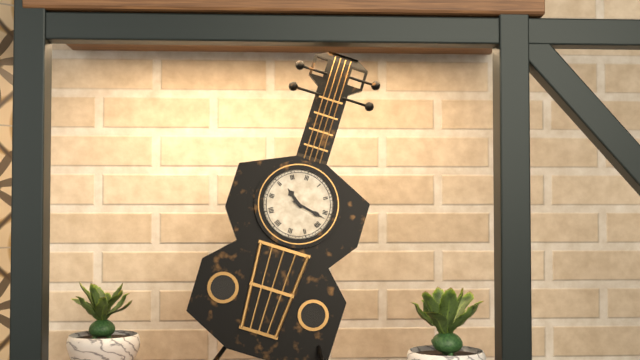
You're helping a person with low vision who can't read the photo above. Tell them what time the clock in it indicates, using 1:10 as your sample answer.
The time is 10:17
